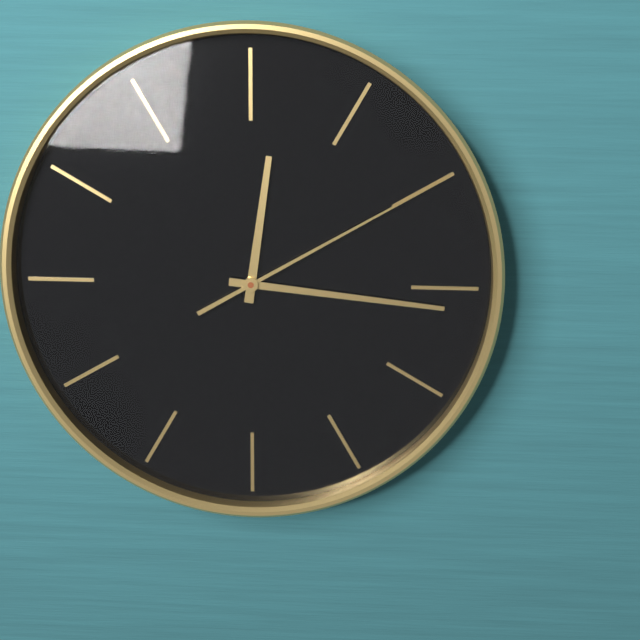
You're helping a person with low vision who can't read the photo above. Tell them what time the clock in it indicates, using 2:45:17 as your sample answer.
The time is 12:16:10
